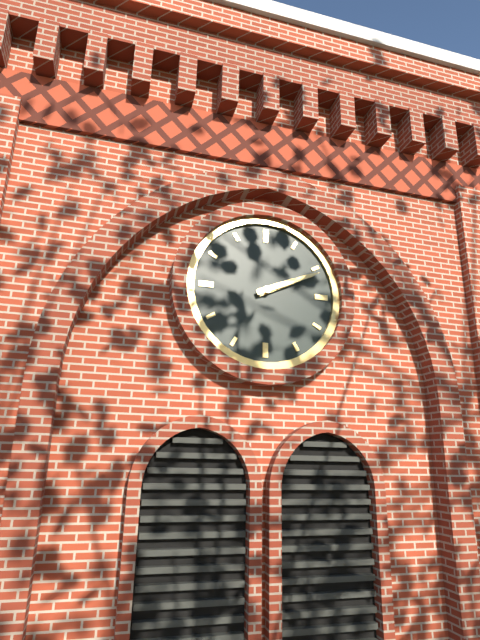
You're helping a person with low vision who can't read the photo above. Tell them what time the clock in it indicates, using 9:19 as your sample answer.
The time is 2:11
